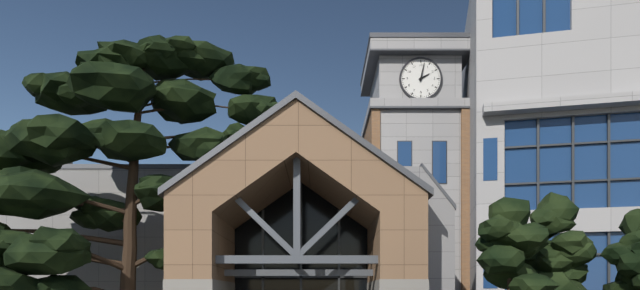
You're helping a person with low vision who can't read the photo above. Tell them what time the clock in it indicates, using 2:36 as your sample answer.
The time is 2:02
